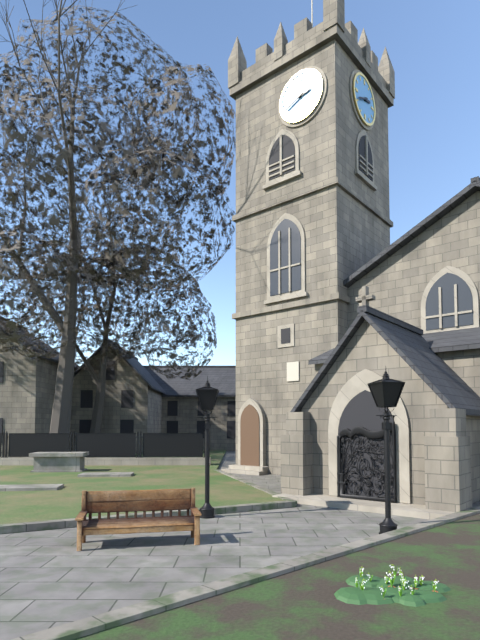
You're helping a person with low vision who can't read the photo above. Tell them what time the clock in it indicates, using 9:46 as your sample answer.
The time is 2:41
